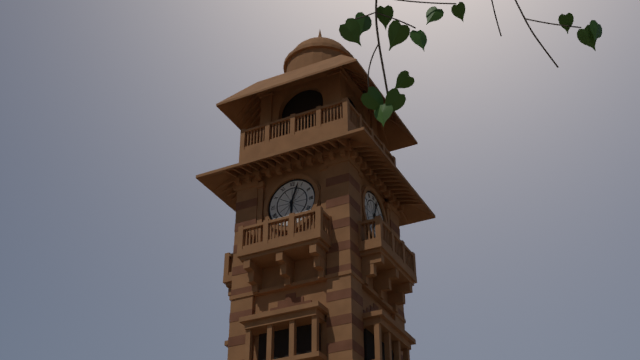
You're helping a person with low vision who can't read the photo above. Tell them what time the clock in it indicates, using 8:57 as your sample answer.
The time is 6:03
